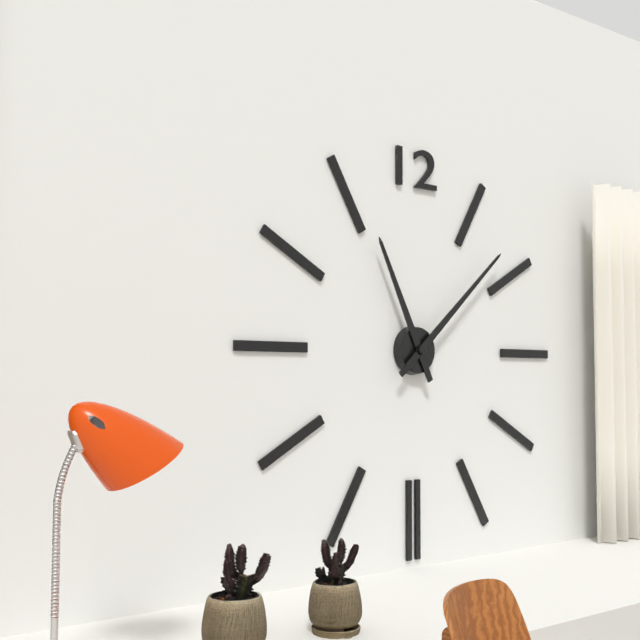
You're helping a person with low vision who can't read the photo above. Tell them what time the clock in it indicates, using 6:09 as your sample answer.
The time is 11:08
